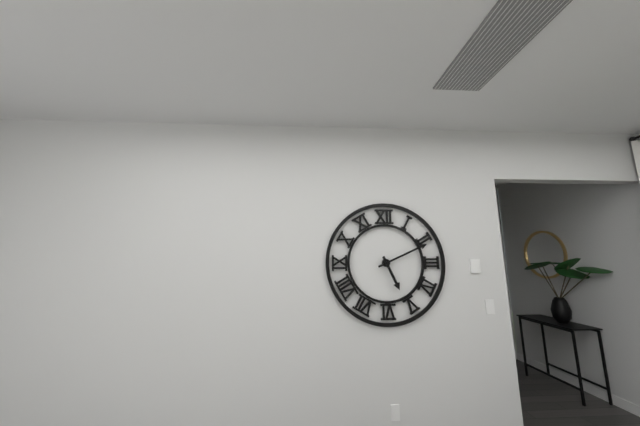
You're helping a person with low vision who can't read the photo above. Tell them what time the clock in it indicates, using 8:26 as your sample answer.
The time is 5:11
